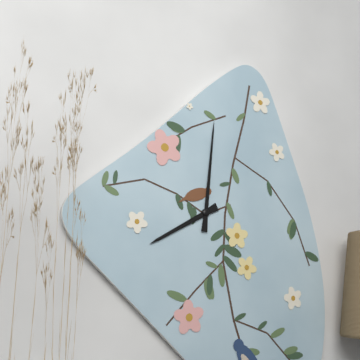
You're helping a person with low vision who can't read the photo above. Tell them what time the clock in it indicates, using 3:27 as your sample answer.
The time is 8:01
